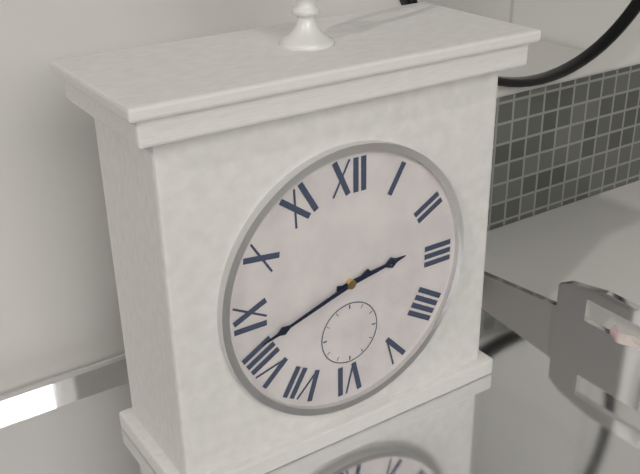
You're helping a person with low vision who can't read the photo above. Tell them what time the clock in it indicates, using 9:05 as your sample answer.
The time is 2:42
